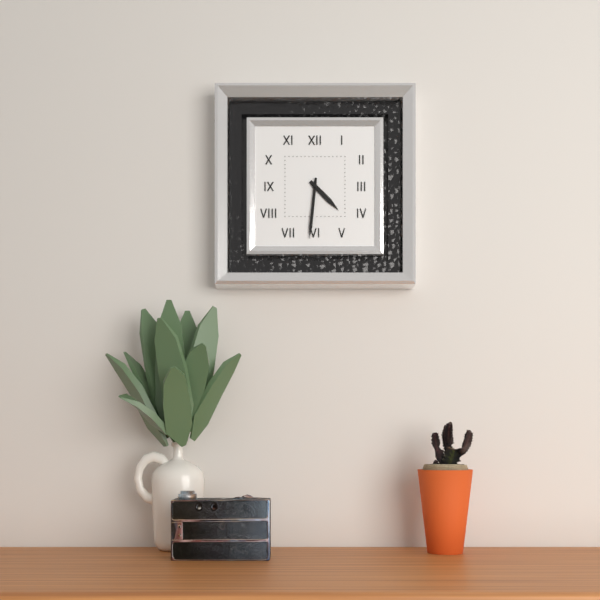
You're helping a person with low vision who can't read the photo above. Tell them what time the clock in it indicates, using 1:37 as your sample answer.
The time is 4:31
